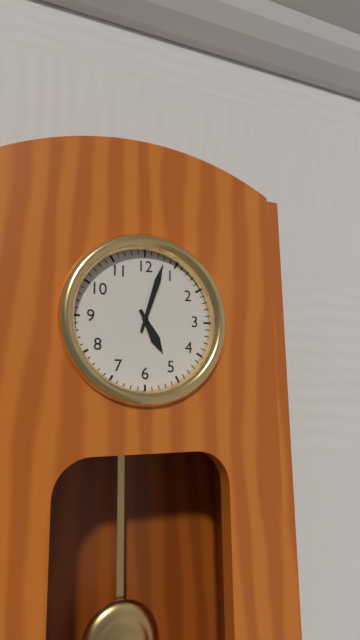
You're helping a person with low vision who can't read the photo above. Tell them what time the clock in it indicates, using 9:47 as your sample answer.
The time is 5:03
